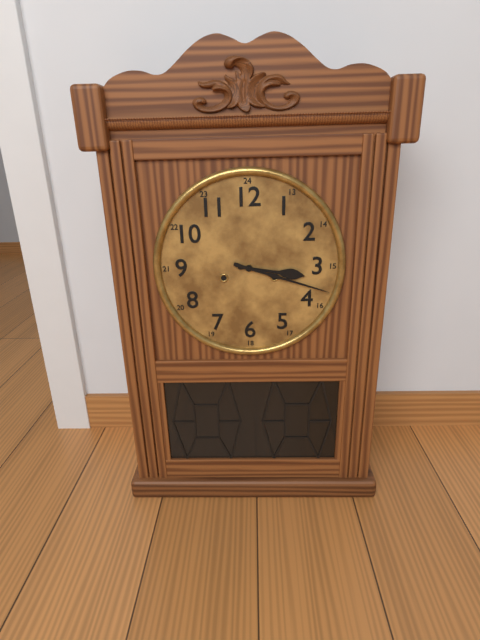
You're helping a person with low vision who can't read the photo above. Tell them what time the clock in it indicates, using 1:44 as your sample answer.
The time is 3:18
